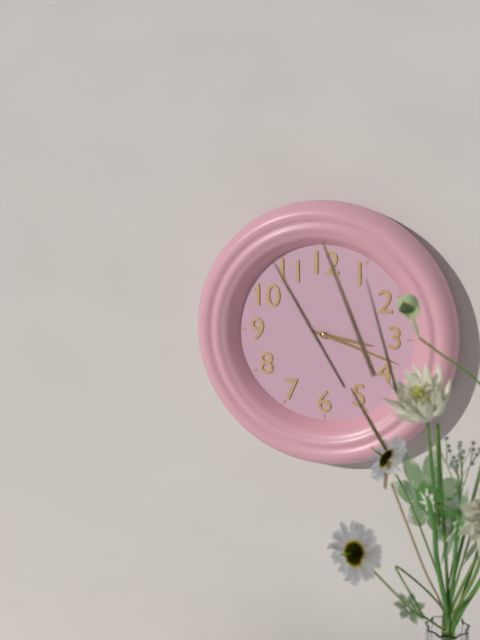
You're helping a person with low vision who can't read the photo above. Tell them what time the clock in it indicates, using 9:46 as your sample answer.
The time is 3:18
